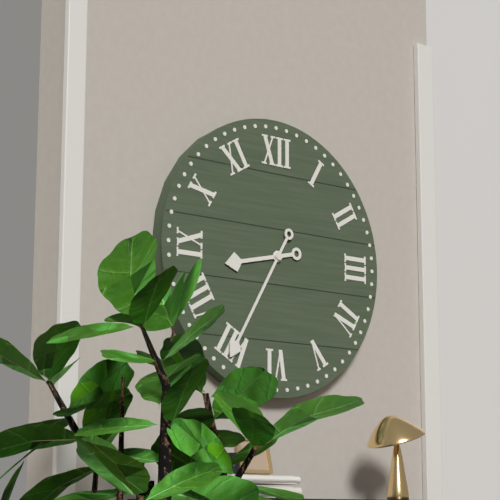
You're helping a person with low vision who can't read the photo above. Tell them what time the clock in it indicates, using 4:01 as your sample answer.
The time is 8:35
